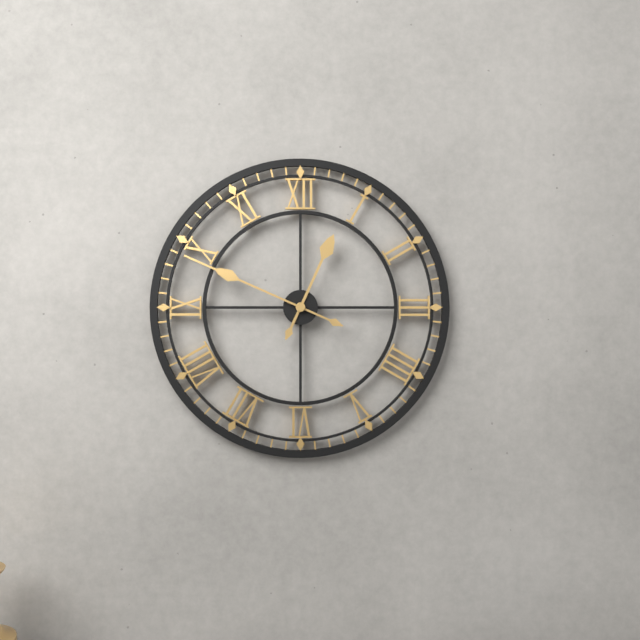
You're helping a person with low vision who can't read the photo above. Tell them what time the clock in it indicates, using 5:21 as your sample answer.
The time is 12:49
